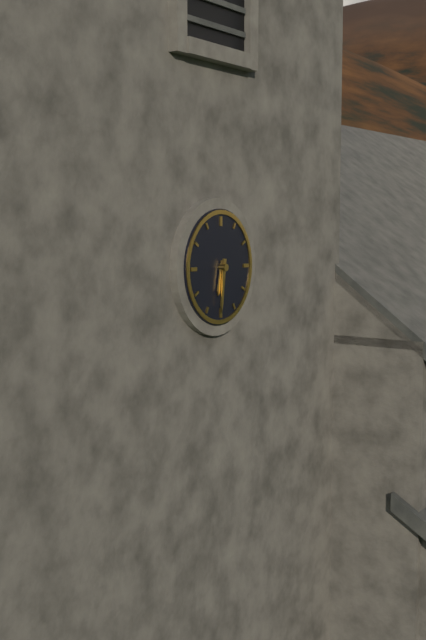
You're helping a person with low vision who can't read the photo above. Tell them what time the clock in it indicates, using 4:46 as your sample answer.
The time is 6:31
